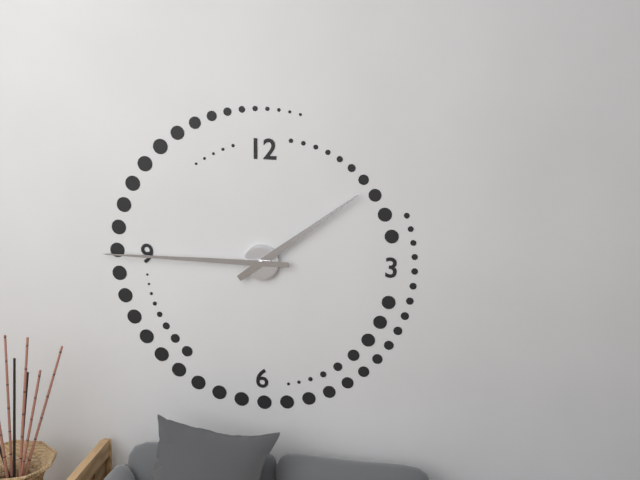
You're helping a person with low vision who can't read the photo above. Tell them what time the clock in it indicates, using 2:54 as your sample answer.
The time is 1:45
